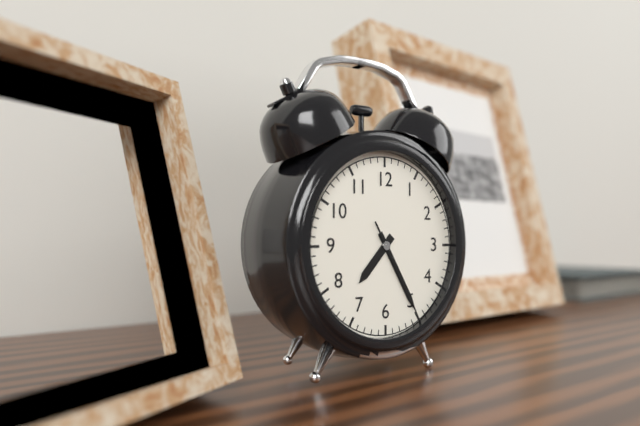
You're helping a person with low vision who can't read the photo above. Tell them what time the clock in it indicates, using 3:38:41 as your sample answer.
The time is 7:25:25
